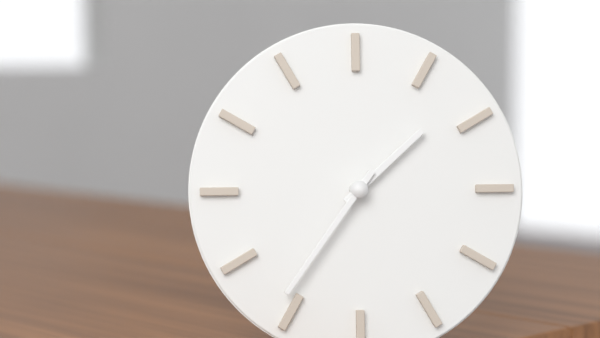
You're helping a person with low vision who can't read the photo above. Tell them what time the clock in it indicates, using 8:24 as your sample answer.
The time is 1:36
